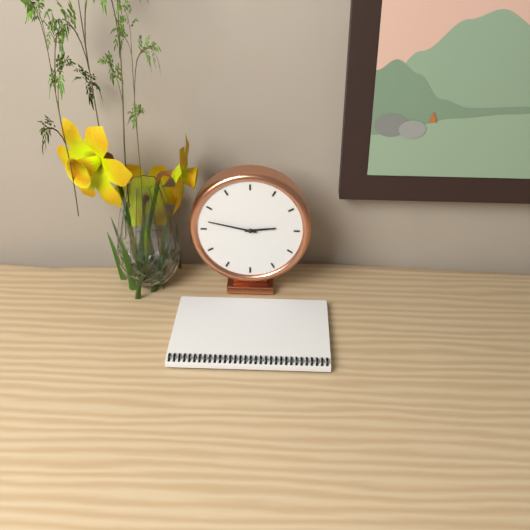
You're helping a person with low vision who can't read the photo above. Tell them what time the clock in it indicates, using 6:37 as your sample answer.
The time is 2:47
